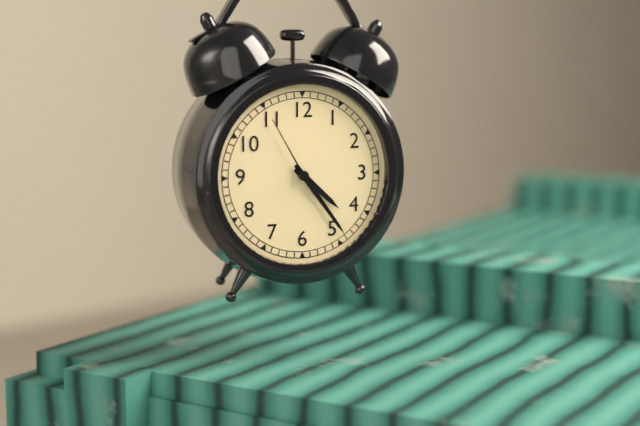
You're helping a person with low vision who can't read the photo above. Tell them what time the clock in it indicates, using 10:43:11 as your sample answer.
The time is 4:24:55
